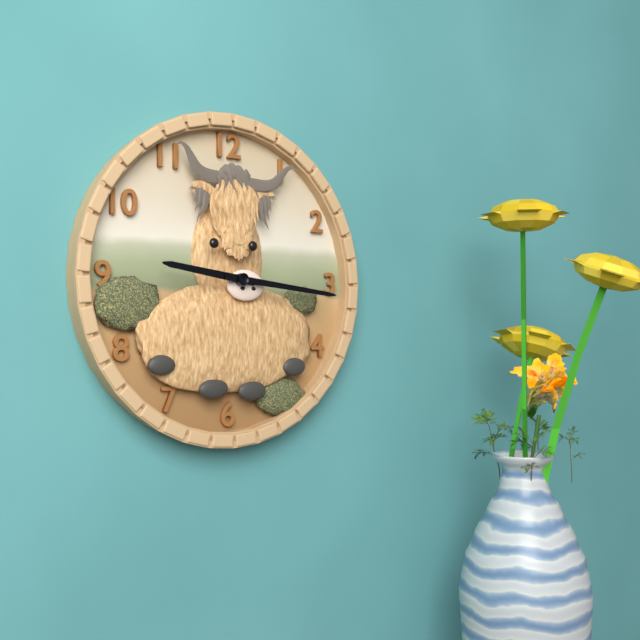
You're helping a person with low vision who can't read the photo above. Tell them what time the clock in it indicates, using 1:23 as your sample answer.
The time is 9:16
